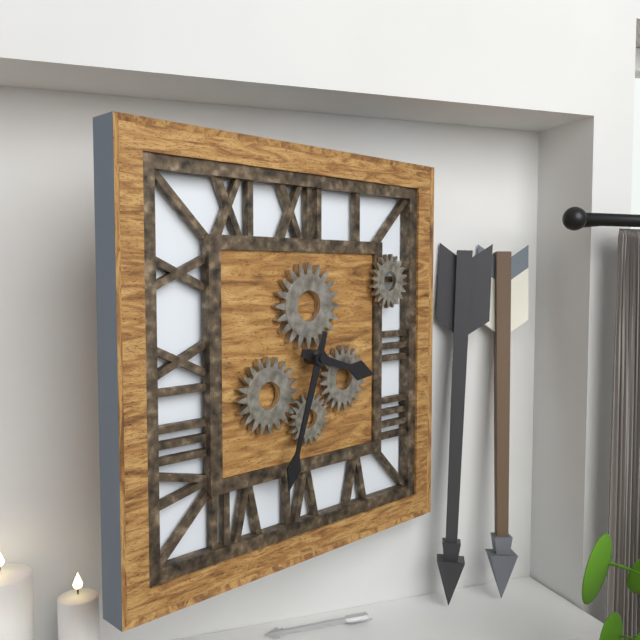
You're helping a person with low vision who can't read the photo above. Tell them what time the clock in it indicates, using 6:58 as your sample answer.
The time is 3:33
